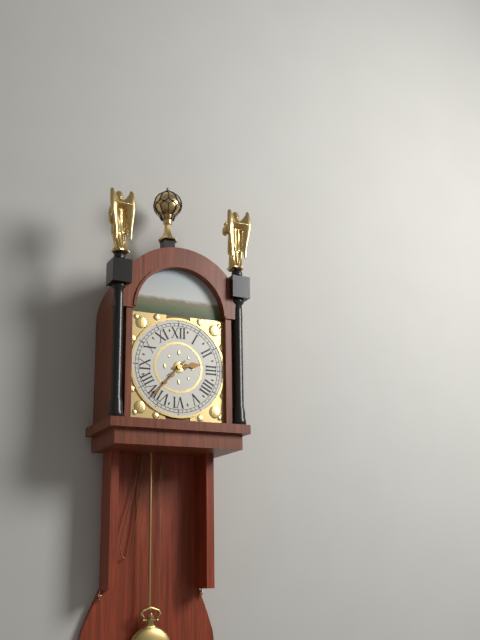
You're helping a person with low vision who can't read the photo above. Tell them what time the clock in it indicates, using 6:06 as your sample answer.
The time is 2:37
